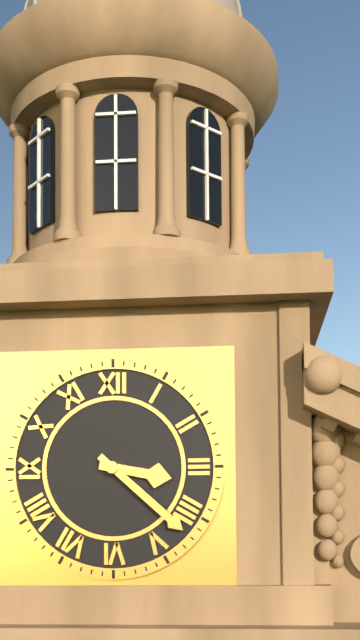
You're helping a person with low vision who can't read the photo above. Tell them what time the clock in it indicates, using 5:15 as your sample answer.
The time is 3:22
